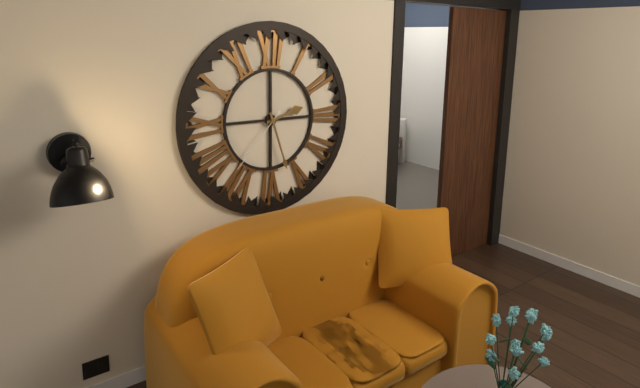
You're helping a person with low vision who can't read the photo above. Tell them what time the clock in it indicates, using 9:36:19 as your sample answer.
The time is 2:27:37
